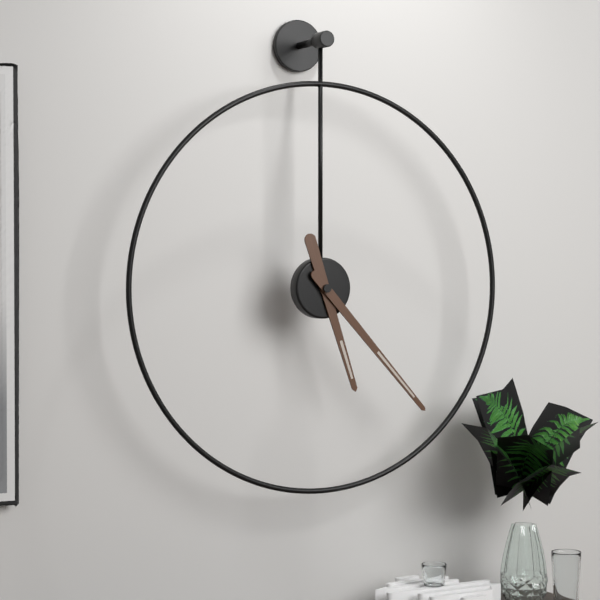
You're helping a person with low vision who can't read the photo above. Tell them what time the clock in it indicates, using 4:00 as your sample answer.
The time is 5:23
